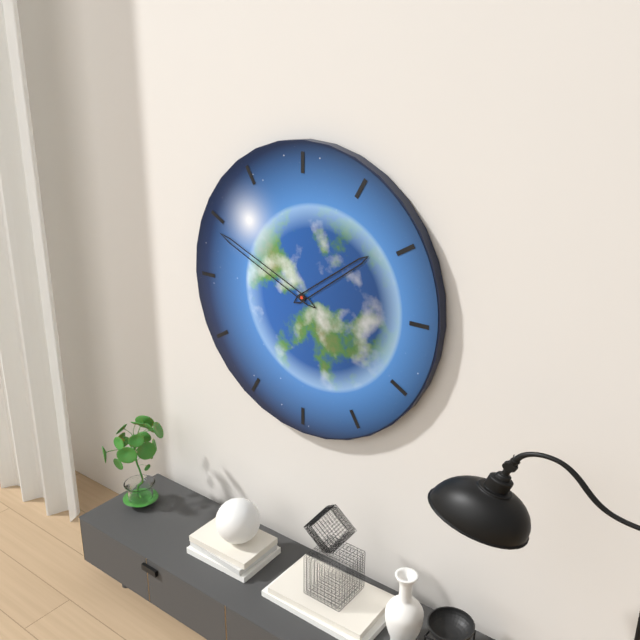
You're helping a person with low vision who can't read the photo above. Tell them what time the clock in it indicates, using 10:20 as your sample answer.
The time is 1:49
